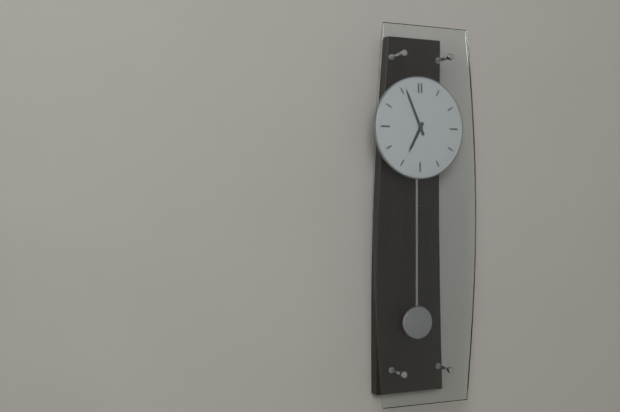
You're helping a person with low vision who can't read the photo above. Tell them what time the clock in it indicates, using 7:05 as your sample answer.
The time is 6:56
